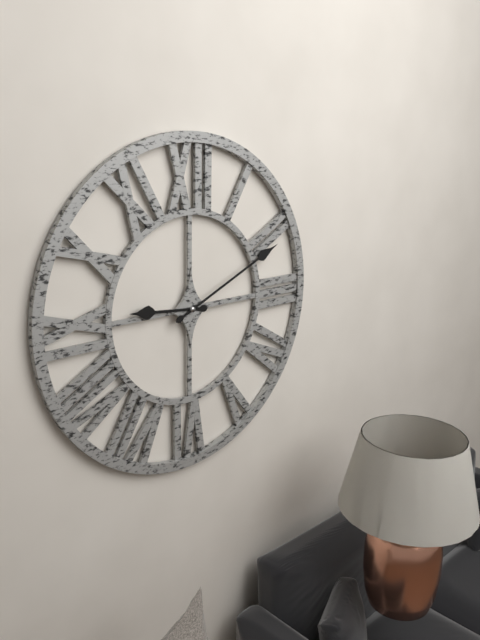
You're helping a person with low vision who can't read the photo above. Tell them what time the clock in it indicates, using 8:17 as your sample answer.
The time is 9:11
